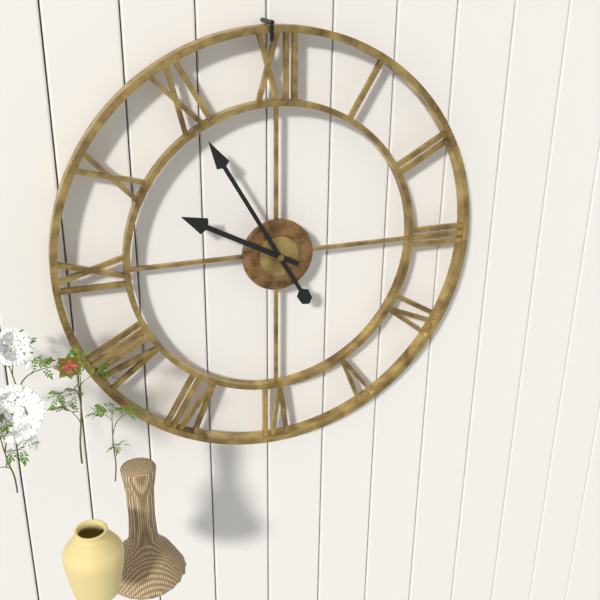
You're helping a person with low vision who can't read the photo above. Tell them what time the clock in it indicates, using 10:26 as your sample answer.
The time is 9:55
